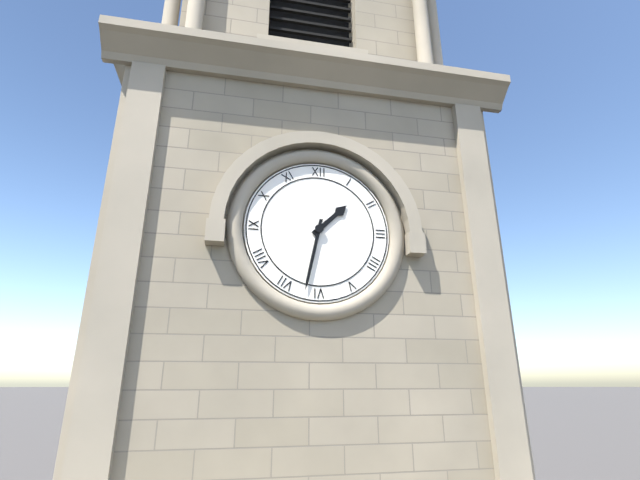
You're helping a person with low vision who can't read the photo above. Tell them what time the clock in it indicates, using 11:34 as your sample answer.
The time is 1:32
